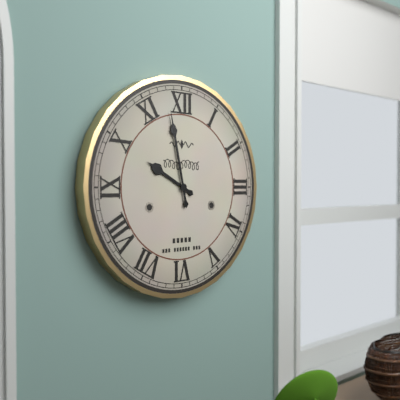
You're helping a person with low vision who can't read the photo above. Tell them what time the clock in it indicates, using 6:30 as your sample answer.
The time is 9:58
